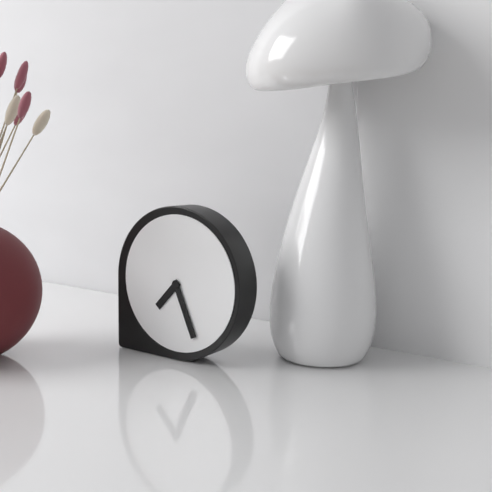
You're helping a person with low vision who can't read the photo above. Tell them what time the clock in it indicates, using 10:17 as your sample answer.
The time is 7:26
